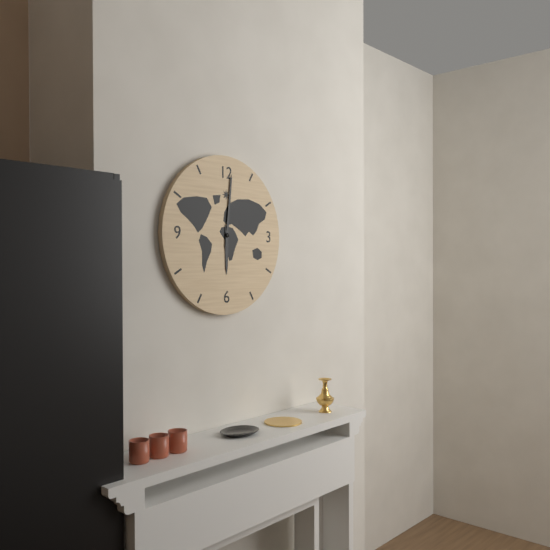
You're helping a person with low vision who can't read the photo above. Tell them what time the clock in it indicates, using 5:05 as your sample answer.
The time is 6:01
